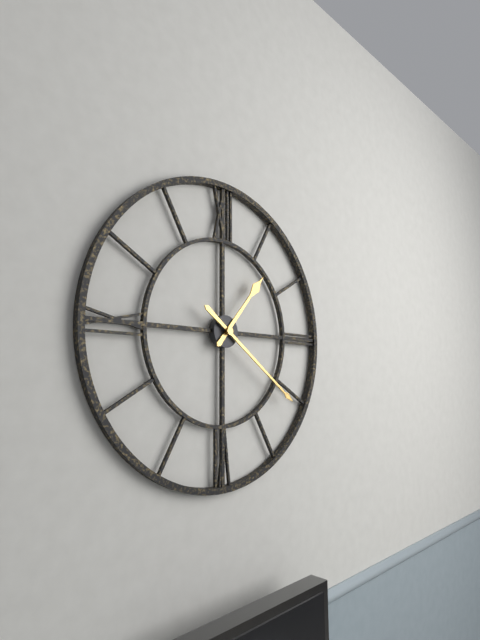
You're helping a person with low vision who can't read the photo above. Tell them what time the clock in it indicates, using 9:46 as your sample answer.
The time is 1:21
